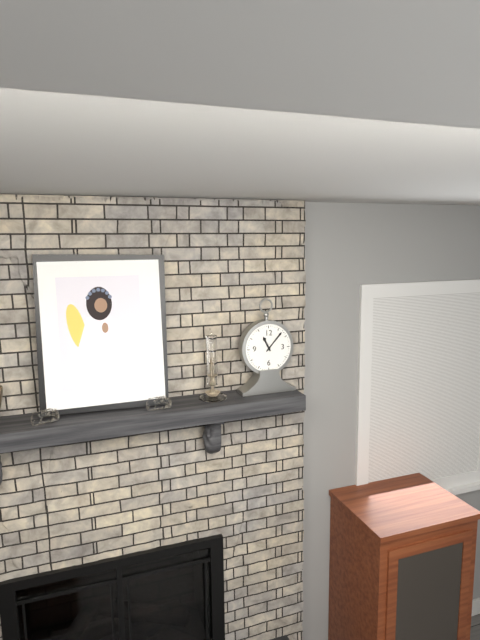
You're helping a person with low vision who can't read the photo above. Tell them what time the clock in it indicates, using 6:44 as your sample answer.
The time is 11:07
